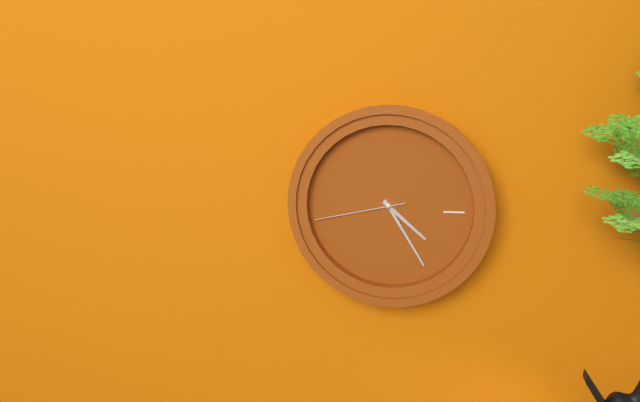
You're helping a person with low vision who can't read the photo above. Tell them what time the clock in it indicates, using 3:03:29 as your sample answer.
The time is 4:25:43
